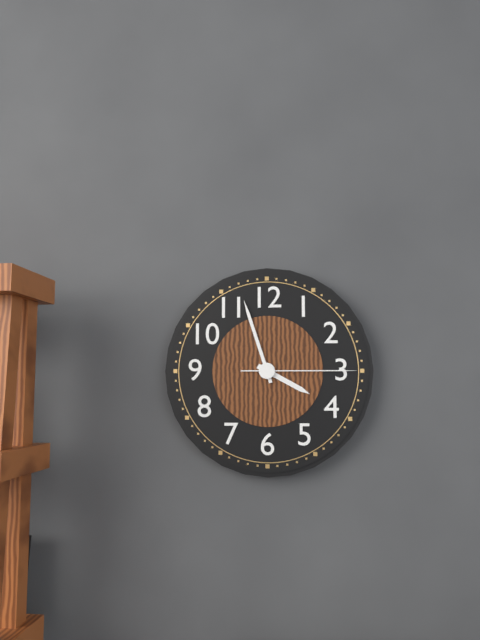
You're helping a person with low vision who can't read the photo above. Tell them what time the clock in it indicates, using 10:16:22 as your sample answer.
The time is 3:57:15
